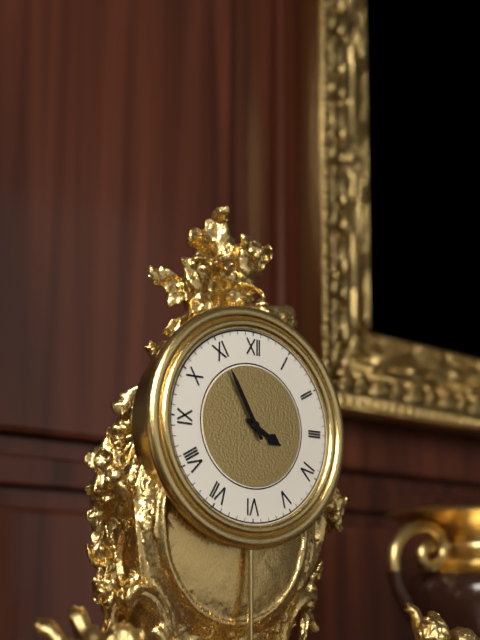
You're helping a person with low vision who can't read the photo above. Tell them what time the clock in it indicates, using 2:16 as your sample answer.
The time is 3:55
